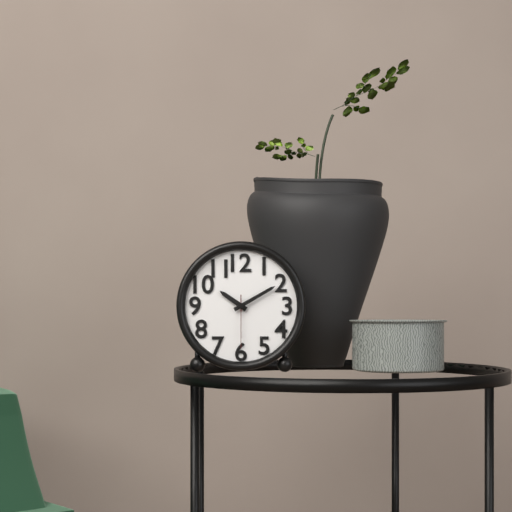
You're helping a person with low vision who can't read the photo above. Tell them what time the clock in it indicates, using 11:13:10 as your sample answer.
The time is 10:10:30
